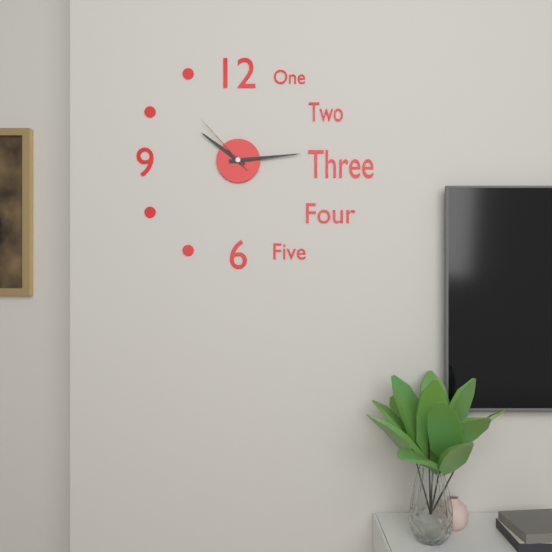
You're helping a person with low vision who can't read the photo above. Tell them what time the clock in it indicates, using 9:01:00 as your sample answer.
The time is 10:14:53
